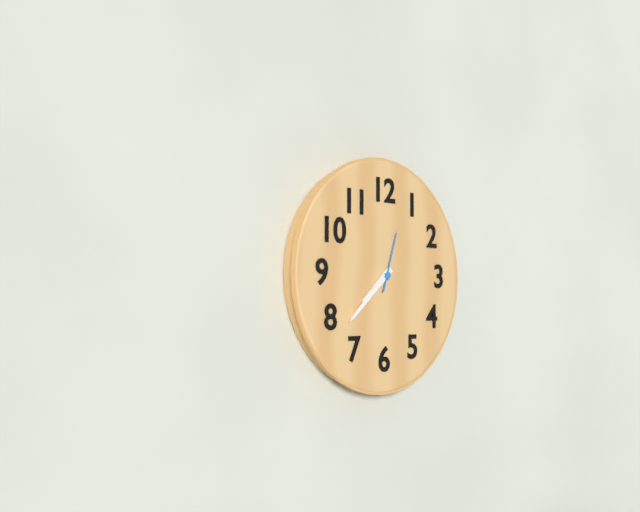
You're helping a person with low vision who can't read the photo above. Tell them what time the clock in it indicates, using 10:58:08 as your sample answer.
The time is 7:38:03
